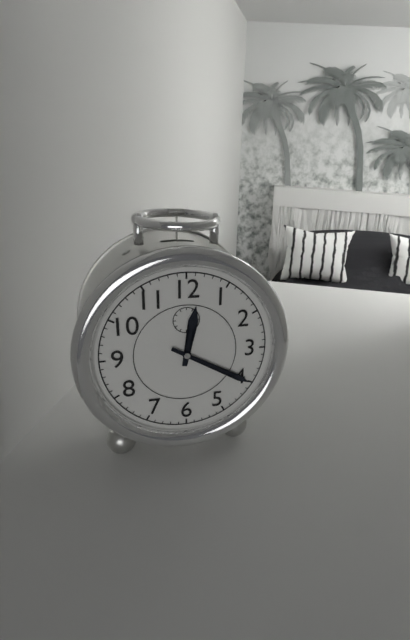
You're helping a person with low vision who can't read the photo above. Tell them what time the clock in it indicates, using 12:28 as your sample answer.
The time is 12:20
